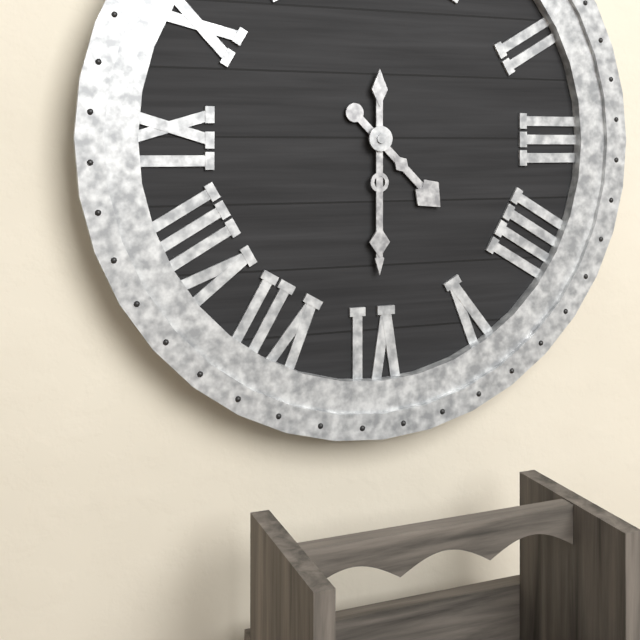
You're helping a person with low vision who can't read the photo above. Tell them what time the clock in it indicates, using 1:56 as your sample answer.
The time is 4:30
